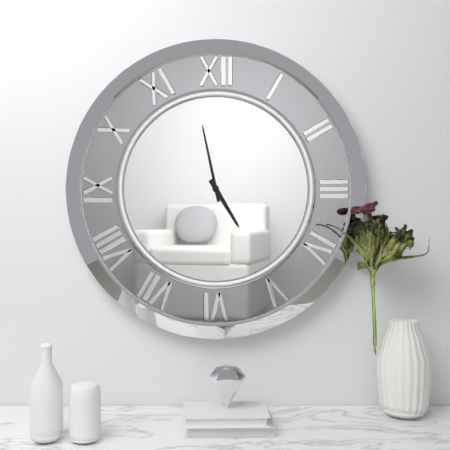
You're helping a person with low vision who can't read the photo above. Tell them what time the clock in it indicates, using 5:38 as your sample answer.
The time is 4:58
